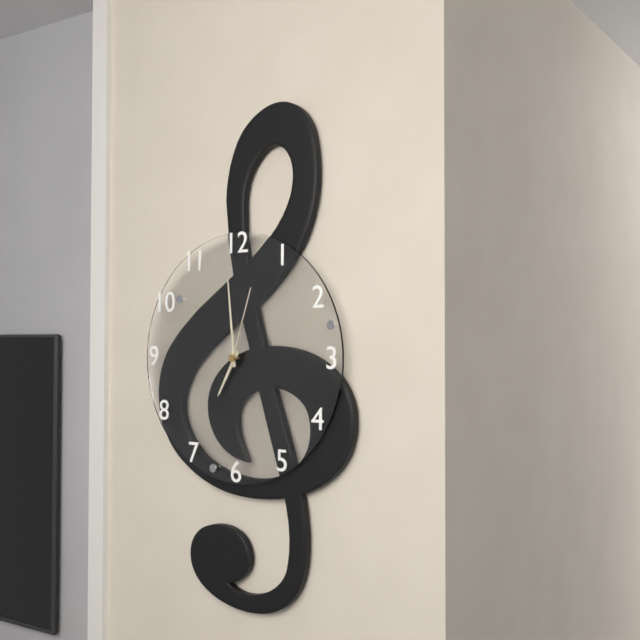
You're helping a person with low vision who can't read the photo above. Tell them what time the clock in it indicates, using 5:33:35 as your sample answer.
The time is 6:59:03
